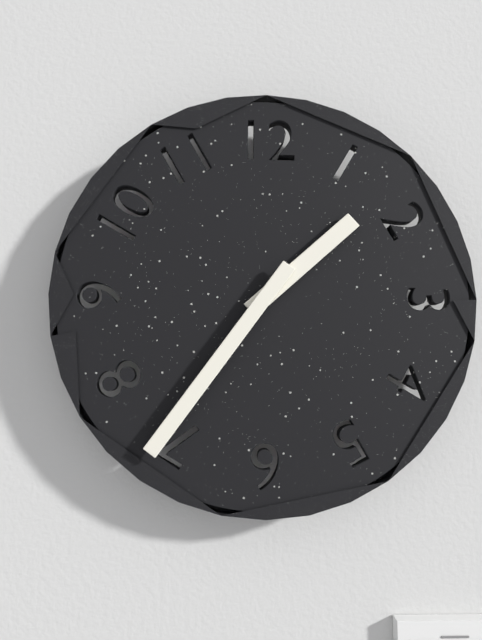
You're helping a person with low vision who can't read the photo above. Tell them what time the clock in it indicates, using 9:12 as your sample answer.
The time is 1:36
